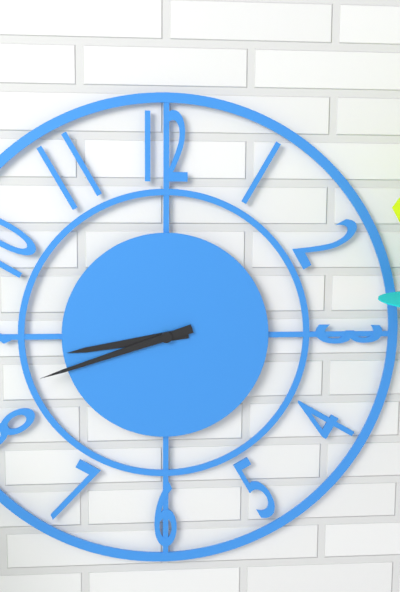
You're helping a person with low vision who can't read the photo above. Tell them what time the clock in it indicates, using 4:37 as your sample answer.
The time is 8:42
